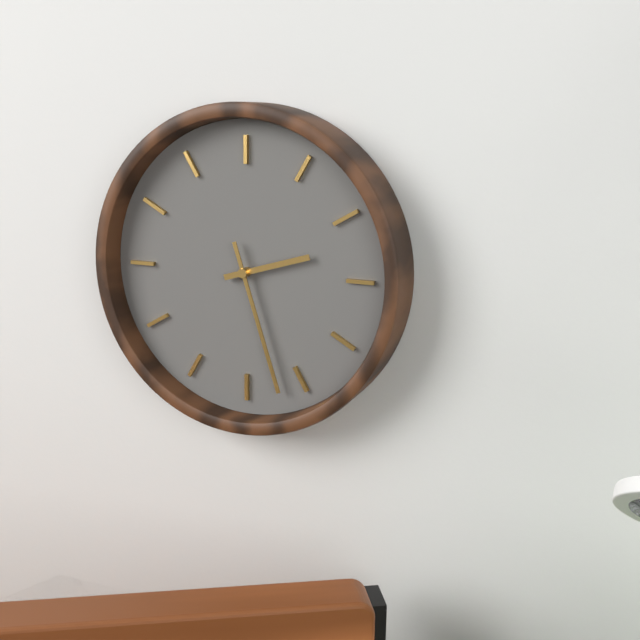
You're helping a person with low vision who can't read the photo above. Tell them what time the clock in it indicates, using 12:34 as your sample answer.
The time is 2:27
